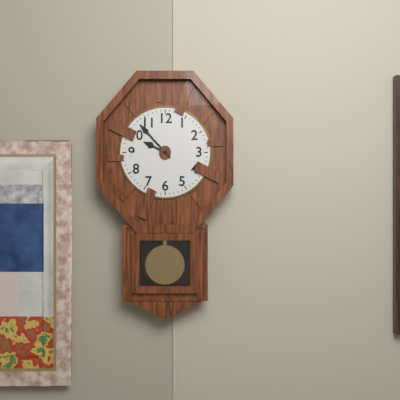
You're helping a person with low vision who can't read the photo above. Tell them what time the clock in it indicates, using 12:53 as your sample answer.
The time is 9:53
